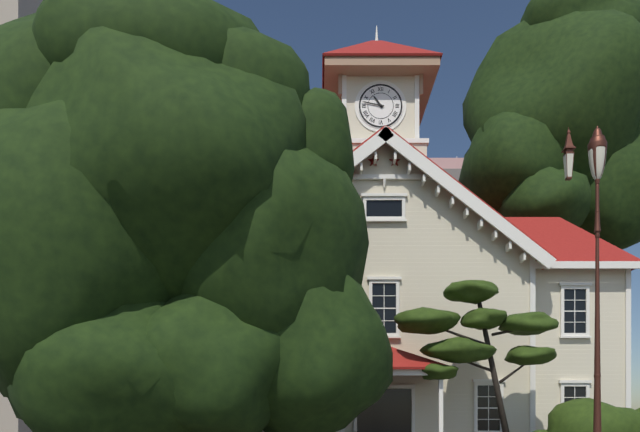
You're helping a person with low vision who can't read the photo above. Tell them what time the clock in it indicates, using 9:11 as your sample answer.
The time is 10:47
